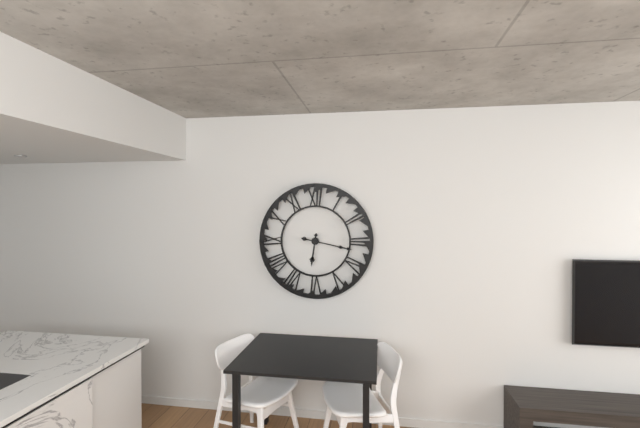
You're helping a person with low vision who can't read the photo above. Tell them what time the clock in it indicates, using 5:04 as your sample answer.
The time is 6:17
